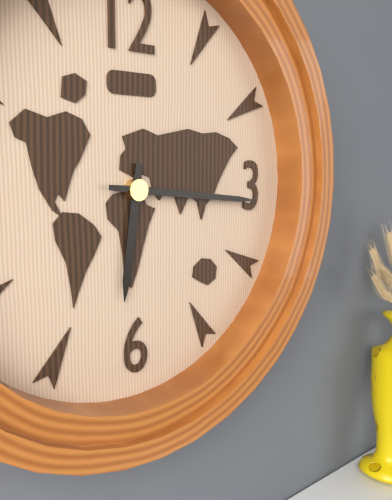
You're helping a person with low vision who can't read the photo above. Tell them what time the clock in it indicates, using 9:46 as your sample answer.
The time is 6:16
